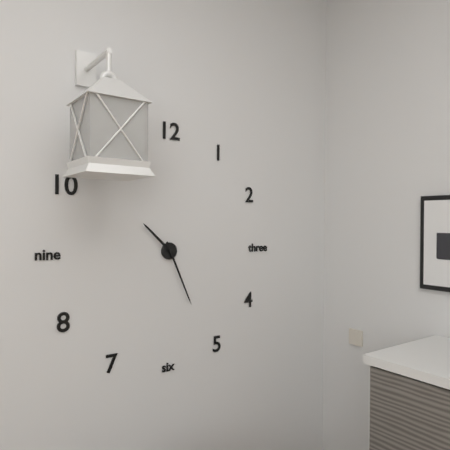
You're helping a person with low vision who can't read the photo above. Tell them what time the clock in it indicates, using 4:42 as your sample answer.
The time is 10:26
